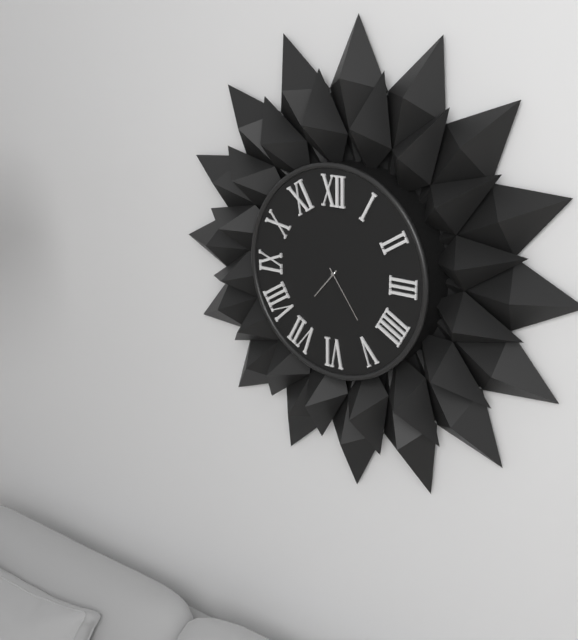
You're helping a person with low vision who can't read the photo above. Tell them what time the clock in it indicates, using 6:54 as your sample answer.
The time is 7:24
